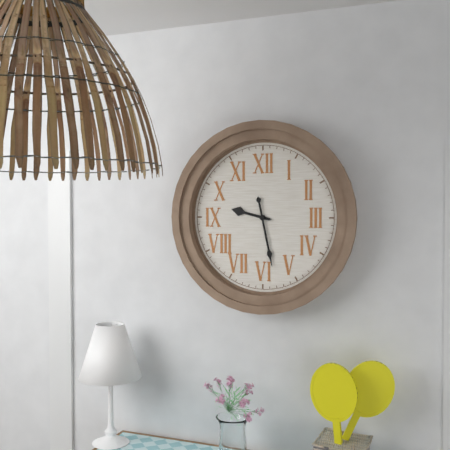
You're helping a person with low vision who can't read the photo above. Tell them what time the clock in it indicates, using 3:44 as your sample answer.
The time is 9:28
